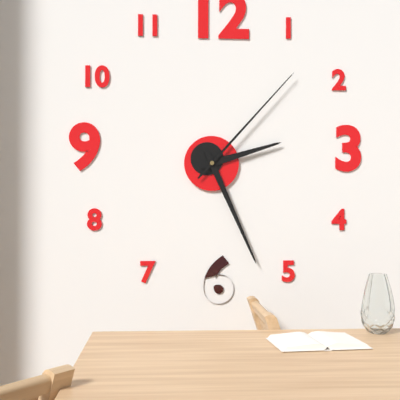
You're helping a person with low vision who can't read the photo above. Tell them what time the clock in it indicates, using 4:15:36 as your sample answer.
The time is 2:26:07
